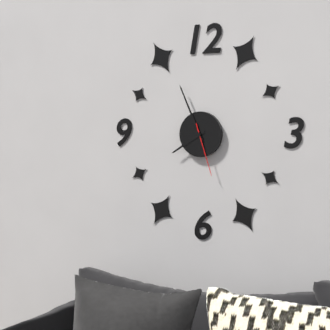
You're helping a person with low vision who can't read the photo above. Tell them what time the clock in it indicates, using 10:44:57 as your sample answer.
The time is 7:56:27
